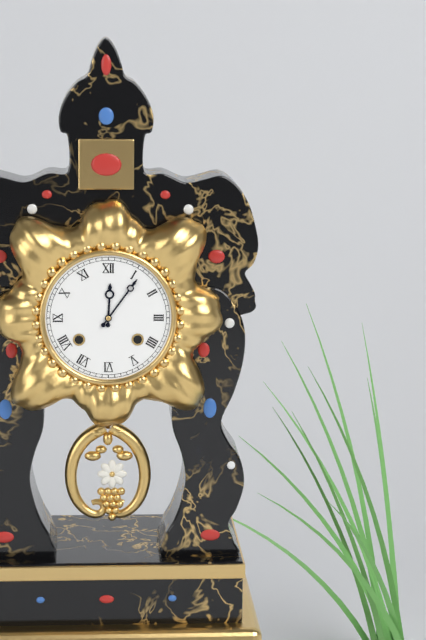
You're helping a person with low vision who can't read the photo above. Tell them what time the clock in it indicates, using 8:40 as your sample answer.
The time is 12:06
